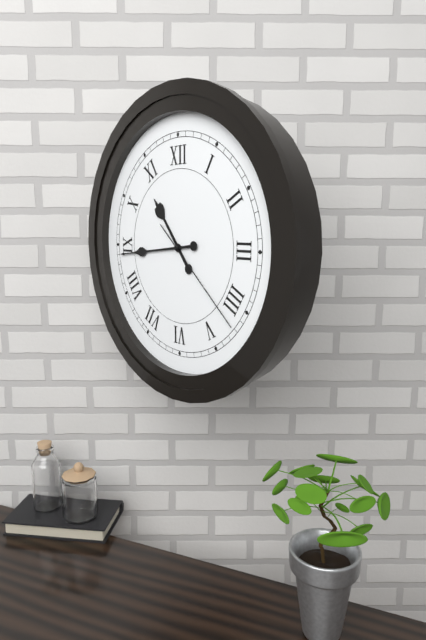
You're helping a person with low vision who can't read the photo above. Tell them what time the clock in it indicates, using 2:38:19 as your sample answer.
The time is 10:44:22
